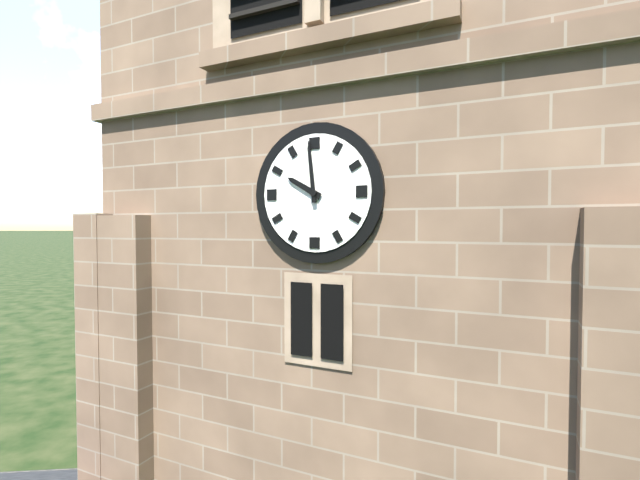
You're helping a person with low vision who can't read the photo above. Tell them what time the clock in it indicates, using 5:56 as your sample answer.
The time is 9:59
